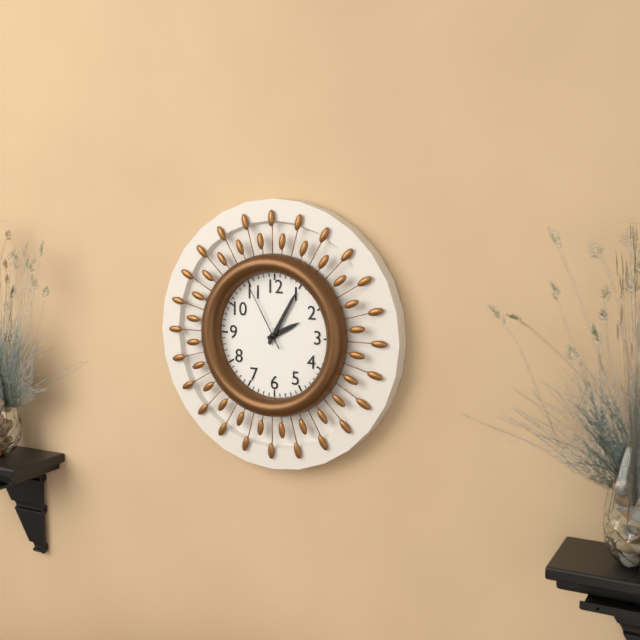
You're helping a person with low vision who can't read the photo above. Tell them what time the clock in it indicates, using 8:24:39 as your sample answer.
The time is 2:05:55
